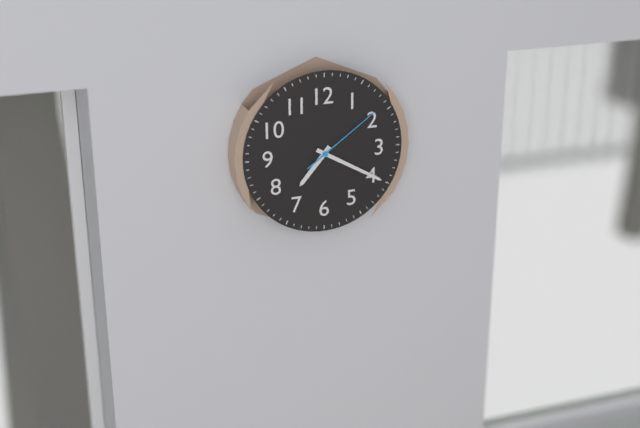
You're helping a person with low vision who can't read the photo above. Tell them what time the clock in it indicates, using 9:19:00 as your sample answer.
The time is 7:20:09
